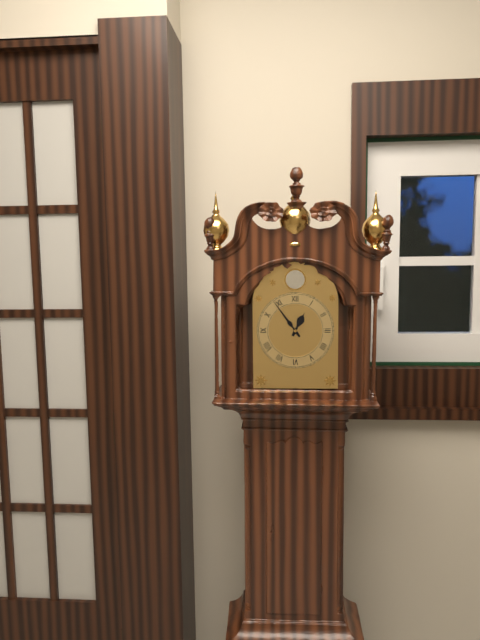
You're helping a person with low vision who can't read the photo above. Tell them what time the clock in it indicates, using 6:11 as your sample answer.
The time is 12:54
